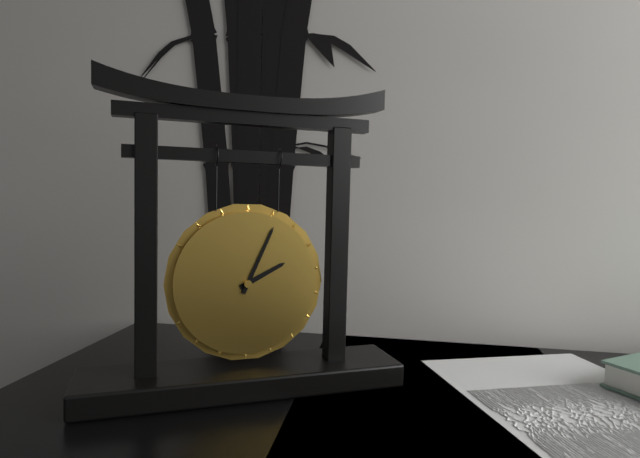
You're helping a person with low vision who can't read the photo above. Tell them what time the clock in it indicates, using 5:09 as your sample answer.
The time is 2:04
